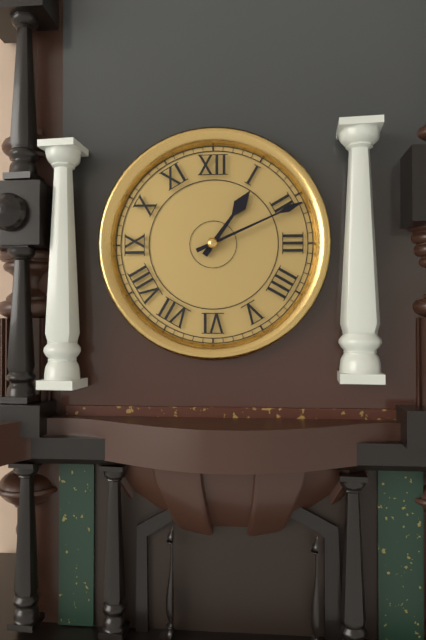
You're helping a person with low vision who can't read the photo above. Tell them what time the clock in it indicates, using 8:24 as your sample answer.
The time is 1:11
